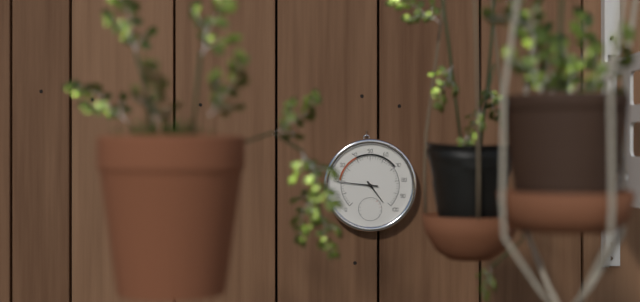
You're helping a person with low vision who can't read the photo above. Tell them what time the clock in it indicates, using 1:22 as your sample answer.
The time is 4:46
